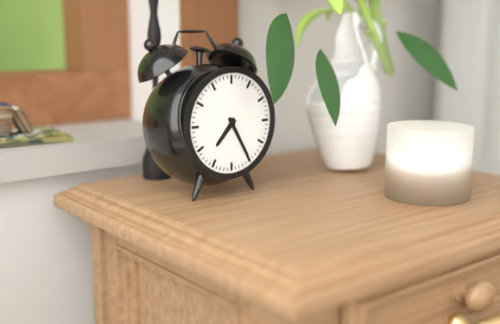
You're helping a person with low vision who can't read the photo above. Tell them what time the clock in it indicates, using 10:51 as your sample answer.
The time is 7:25
